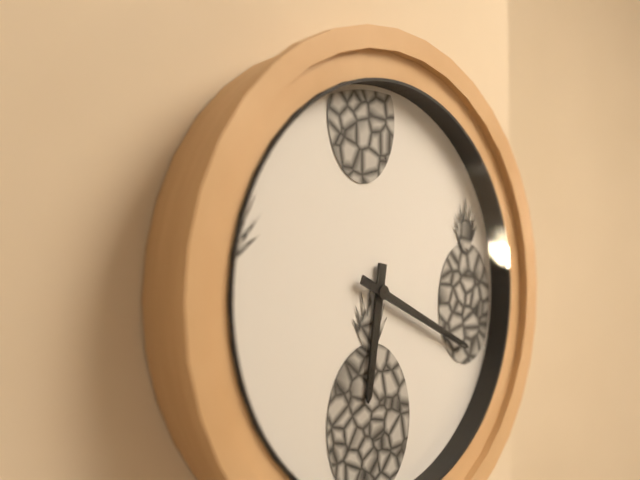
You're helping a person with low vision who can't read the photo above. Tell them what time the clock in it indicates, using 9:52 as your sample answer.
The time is 6:19
